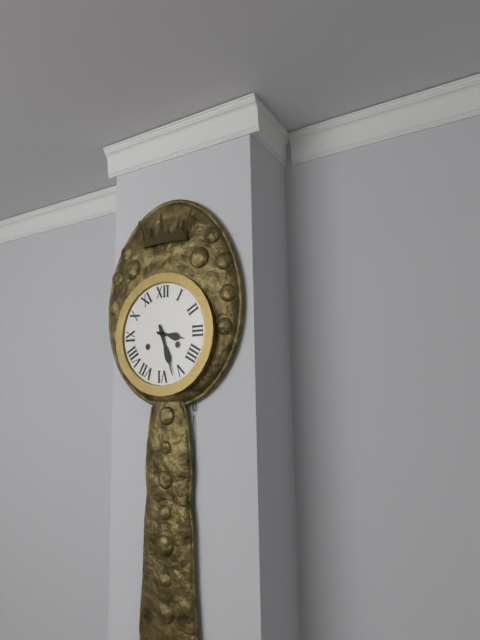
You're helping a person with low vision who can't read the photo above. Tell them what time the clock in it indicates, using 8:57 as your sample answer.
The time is 3:27
